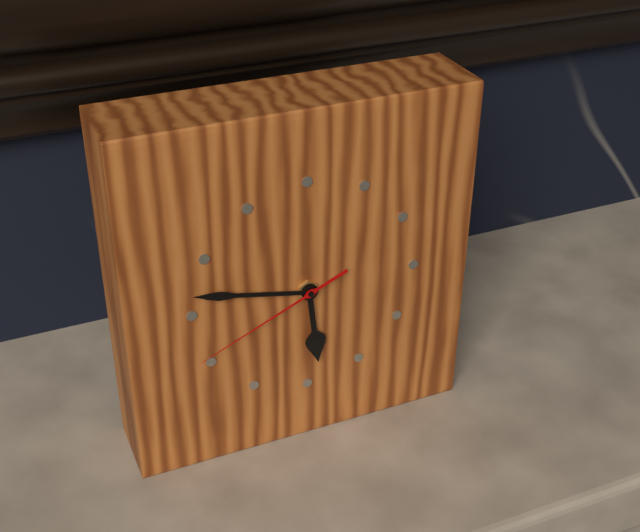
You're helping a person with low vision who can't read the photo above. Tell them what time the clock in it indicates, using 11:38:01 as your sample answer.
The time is 5:47:41
